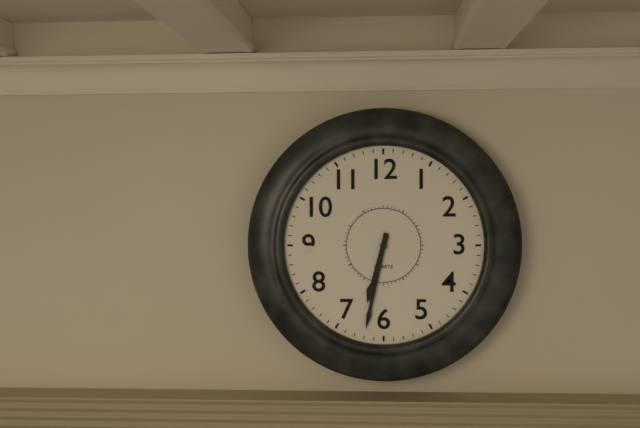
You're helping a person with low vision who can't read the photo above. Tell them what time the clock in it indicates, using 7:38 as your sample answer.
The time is 6:32
